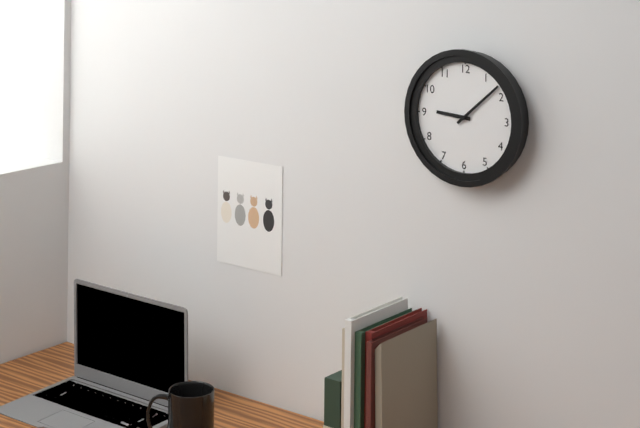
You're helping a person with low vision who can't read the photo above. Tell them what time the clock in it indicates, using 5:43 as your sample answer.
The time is 9:08
